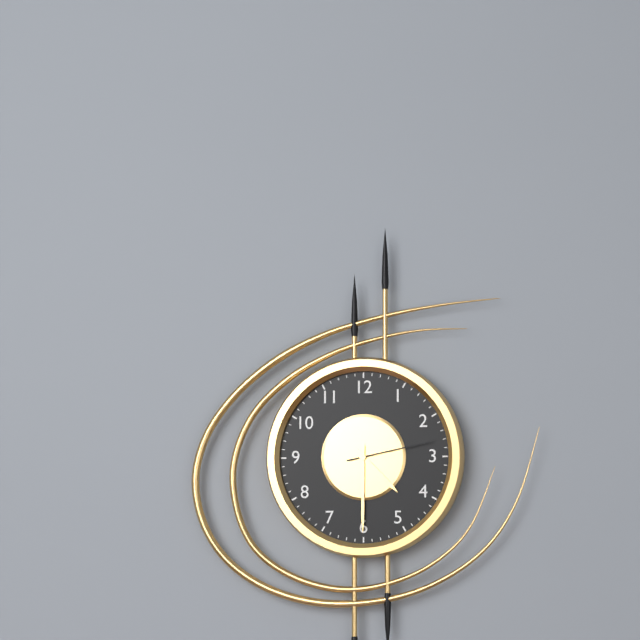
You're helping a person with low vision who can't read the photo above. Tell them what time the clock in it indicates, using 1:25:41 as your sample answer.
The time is 4:30:13
